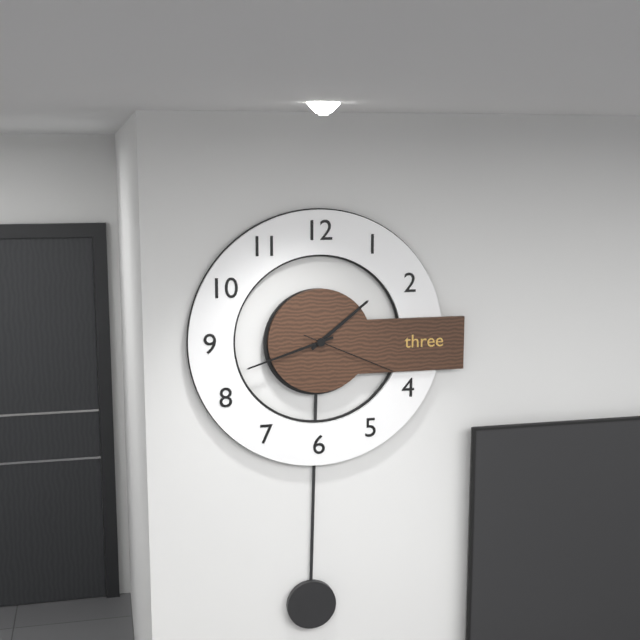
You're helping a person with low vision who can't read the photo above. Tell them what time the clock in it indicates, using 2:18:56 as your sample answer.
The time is 1:42:19
